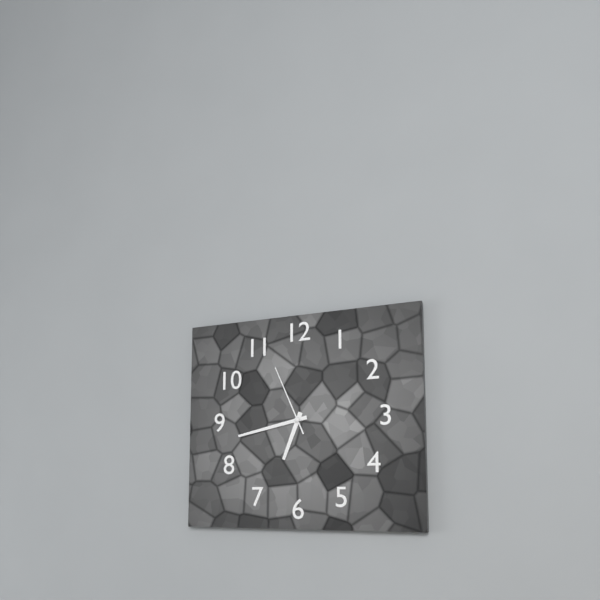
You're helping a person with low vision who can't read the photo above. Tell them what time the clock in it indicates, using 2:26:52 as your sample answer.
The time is 6:43:56
